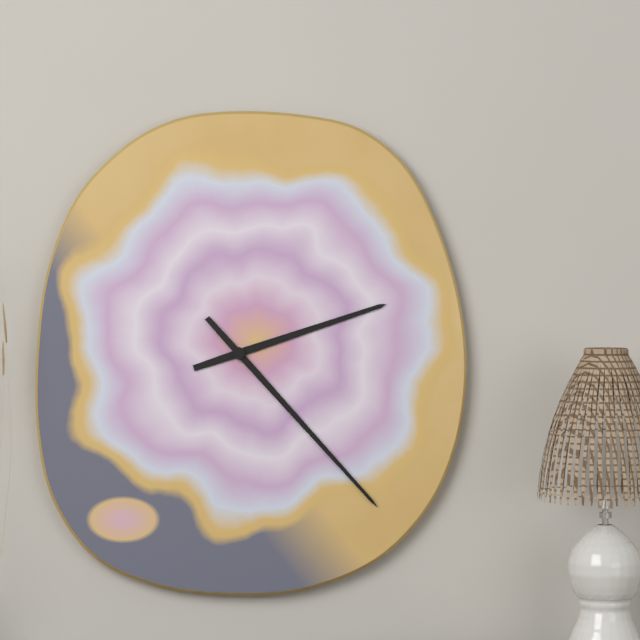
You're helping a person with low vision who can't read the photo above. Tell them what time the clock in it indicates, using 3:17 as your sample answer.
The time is 2:23
